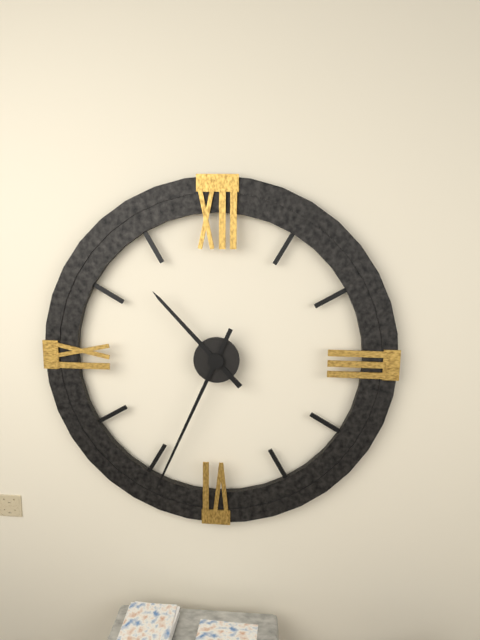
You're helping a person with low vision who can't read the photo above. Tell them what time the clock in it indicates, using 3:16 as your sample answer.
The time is 10:34
